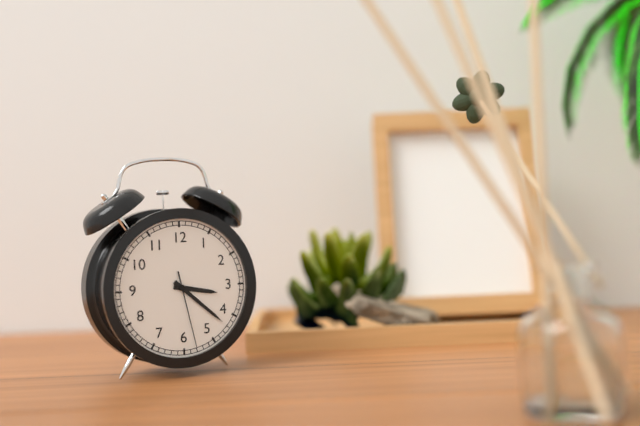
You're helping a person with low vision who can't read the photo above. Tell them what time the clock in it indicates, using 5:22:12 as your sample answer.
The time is 3:22:28
